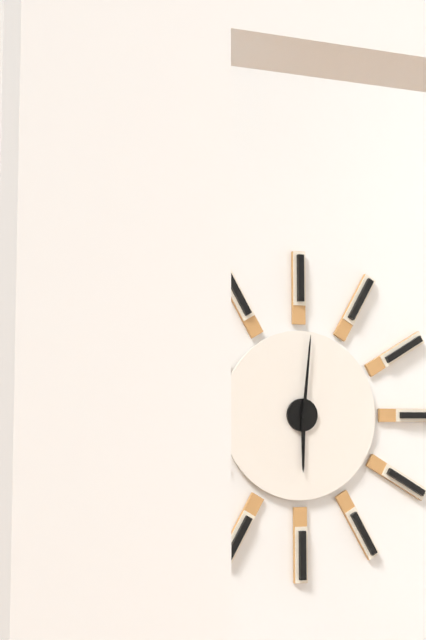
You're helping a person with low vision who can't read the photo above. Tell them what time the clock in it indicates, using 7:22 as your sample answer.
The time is 6:01
